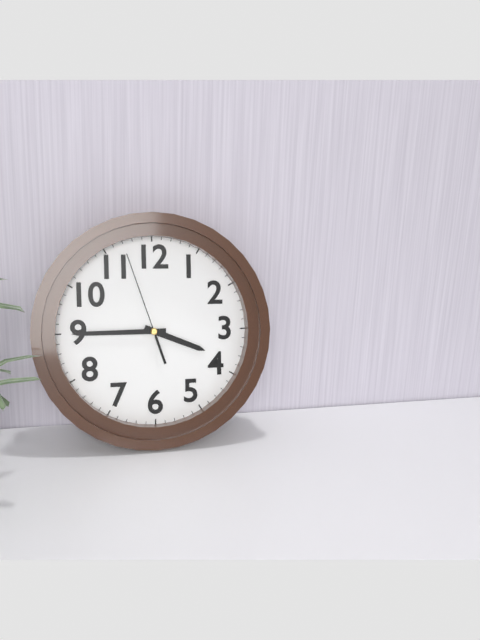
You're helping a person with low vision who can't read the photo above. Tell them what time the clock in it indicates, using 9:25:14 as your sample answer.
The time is 3:45:57
